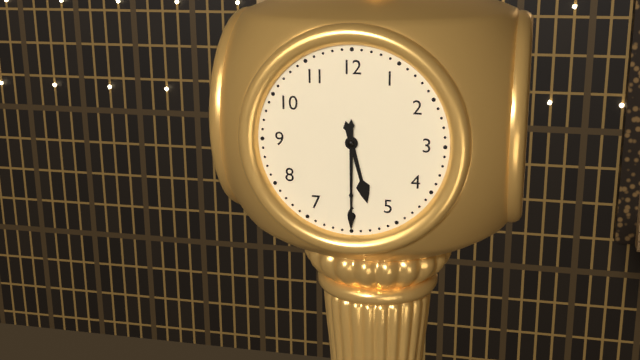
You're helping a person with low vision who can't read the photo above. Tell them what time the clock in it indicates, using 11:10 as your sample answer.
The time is 5:30
